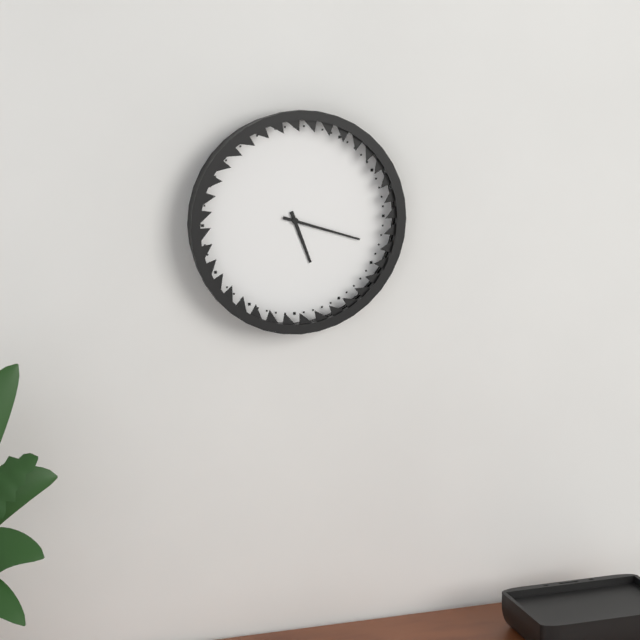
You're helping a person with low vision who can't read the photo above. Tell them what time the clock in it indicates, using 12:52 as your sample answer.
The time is 5:18
